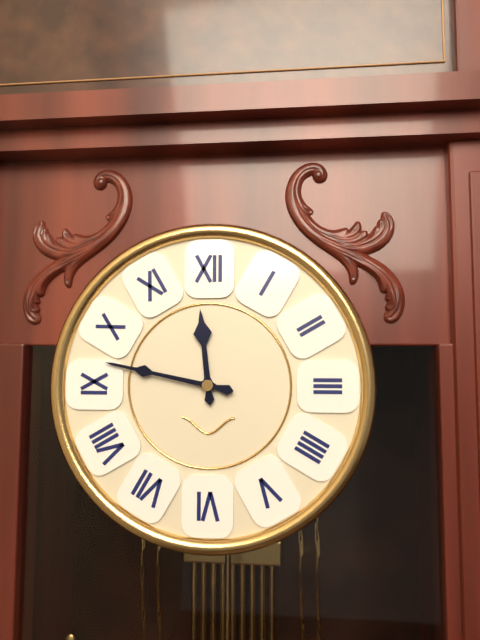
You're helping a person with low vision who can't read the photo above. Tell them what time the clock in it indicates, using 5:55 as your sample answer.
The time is 11:47
